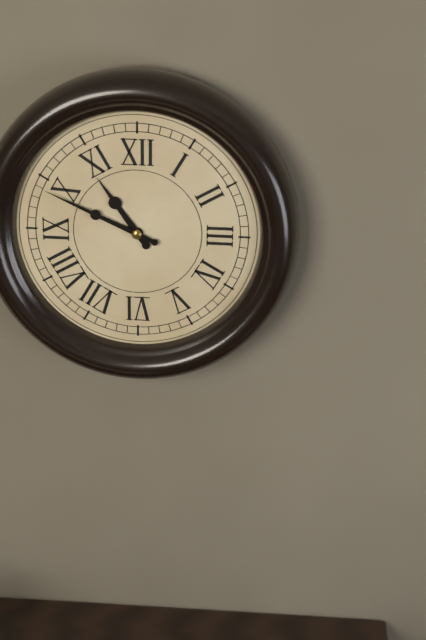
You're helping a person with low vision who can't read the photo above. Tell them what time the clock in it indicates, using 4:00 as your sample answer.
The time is 10:49
